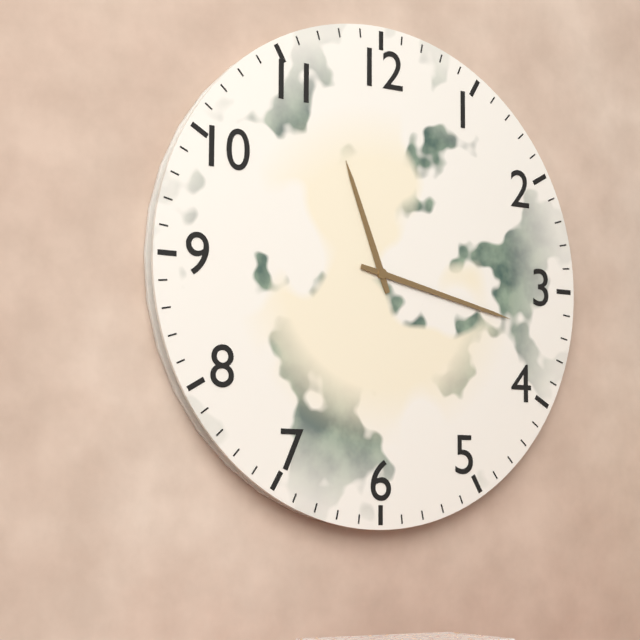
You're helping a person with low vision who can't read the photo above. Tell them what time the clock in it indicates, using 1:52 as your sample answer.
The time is 11:17
